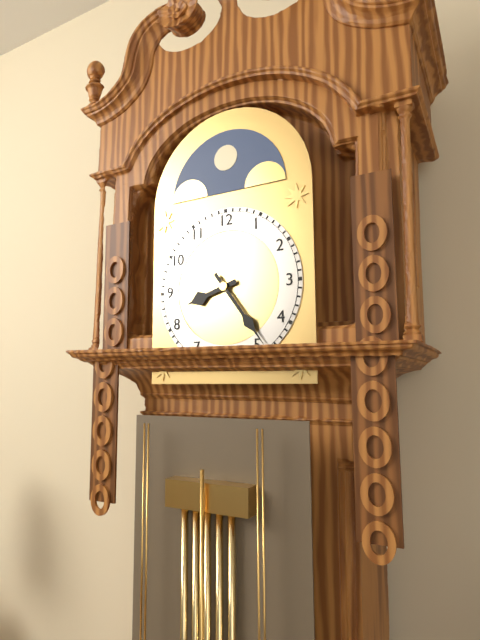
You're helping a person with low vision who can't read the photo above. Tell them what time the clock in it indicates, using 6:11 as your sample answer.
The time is 8:24
